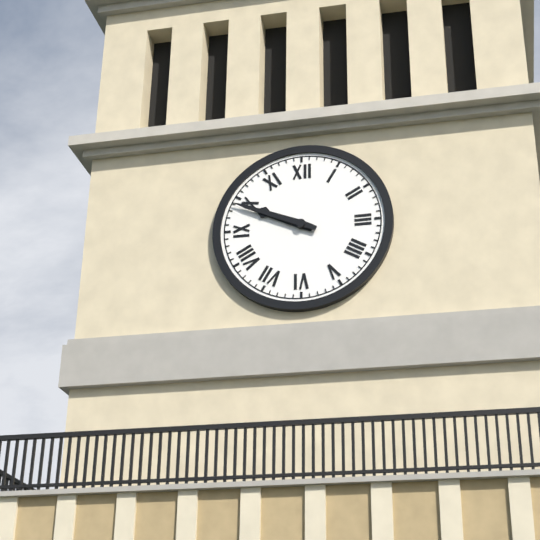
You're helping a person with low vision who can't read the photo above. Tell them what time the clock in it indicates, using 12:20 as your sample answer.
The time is 9:49
